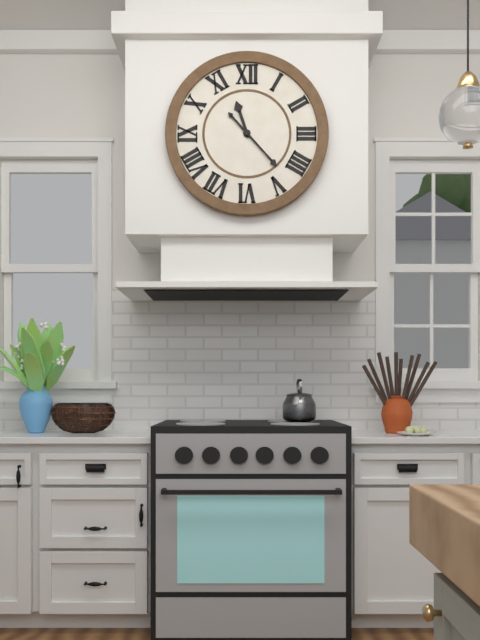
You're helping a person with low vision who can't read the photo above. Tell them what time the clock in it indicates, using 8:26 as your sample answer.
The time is 11:23
